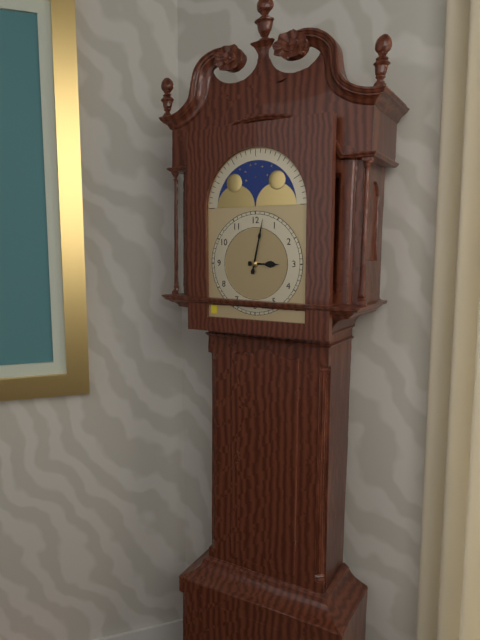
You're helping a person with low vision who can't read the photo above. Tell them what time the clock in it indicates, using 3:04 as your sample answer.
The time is 3:02
